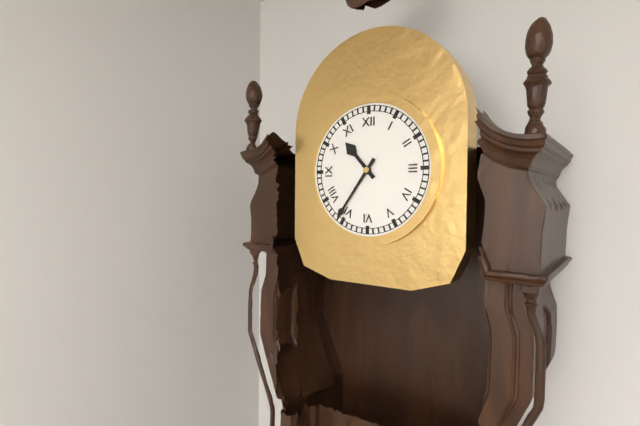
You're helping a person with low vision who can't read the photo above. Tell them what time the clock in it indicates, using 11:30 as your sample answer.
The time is 10:36
